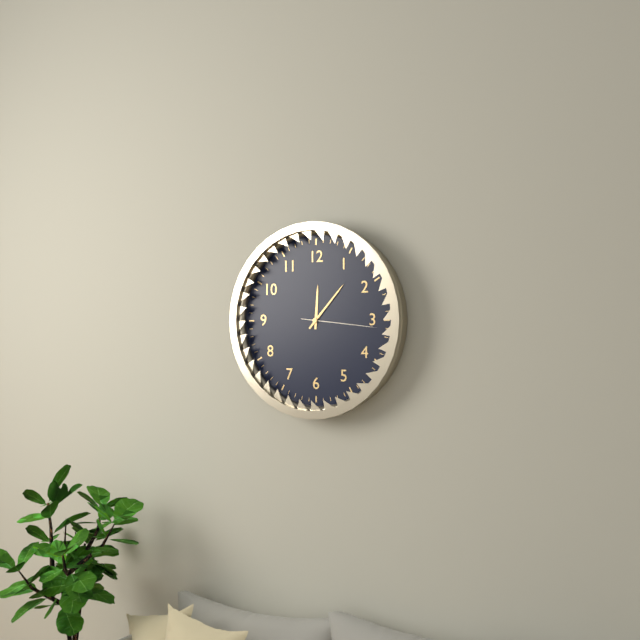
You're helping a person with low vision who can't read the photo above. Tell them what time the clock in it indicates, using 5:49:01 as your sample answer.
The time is 12:07:16
